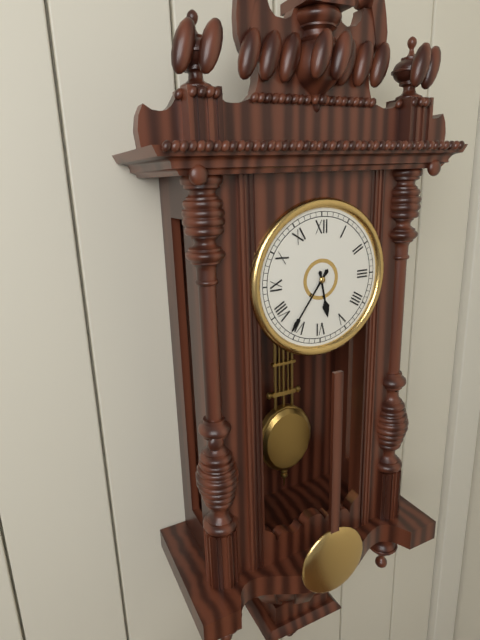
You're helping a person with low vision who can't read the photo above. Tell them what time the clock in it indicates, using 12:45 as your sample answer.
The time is 5:36
